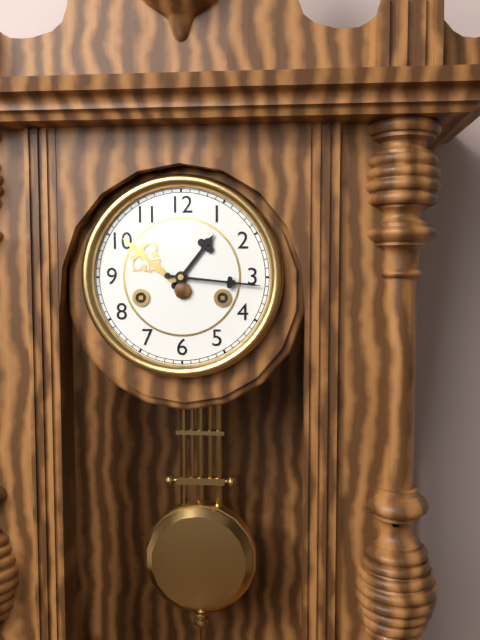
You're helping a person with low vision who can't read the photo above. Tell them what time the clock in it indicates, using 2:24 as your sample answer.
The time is 1:16
